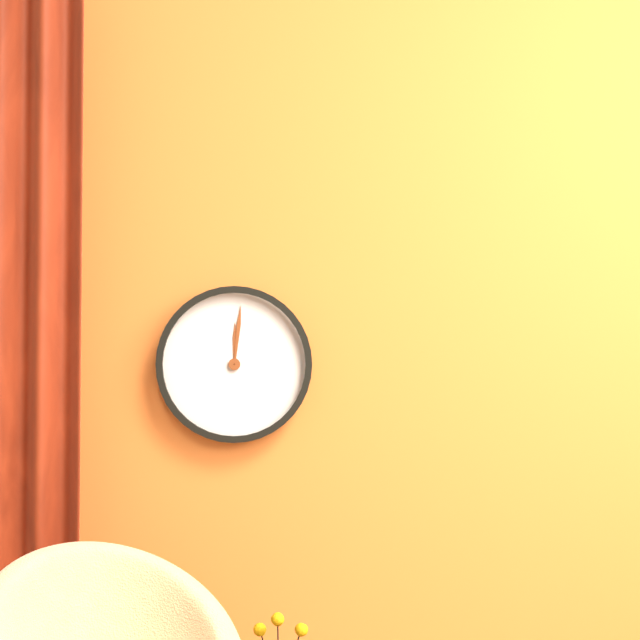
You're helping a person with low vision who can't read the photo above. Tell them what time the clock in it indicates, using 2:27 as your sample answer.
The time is 12:01
